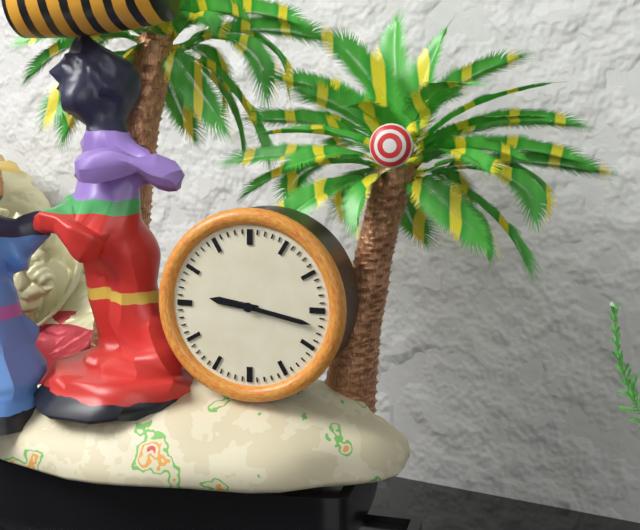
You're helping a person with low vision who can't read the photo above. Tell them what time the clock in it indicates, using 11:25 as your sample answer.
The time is 9:17
